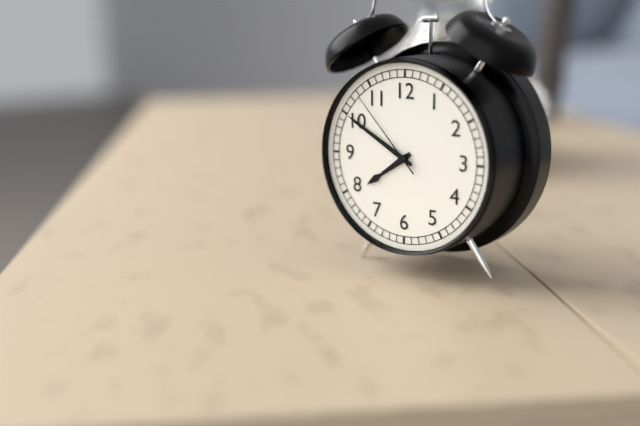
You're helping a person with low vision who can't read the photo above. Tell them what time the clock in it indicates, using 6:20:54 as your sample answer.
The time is 7:50:53
